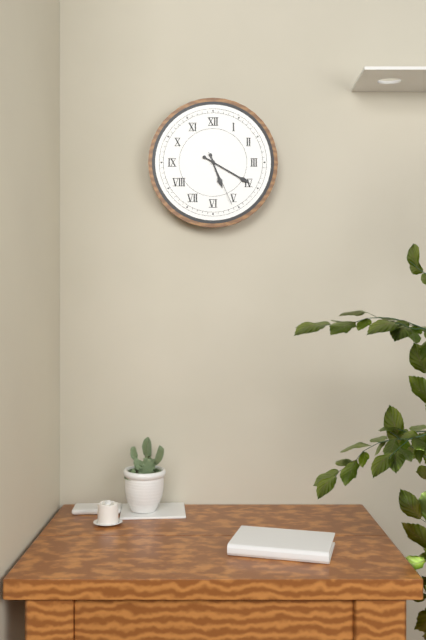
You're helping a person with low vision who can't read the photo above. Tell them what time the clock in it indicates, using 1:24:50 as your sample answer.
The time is 5:20:26
